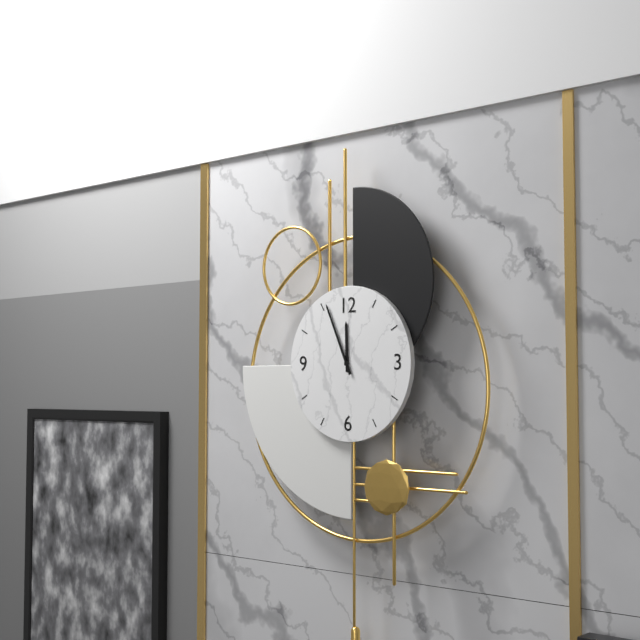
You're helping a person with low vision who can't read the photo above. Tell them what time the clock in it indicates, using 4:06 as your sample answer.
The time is 11:56
